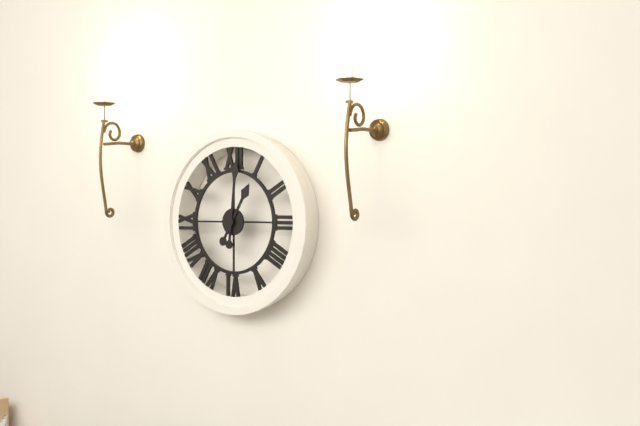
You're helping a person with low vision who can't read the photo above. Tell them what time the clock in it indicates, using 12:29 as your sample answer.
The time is 1:01
